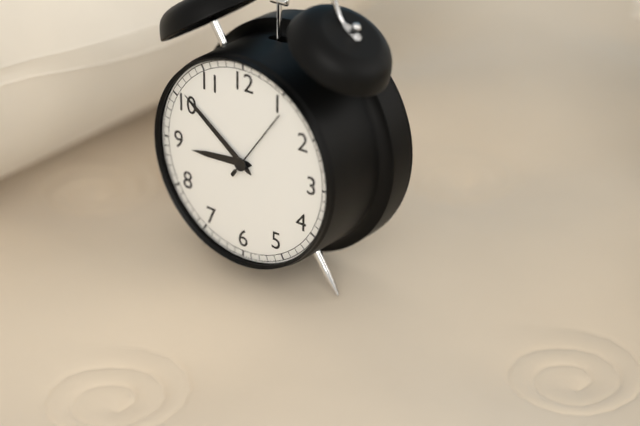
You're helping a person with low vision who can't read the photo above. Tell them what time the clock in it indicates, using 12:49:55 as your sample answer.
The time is 8:51:06
